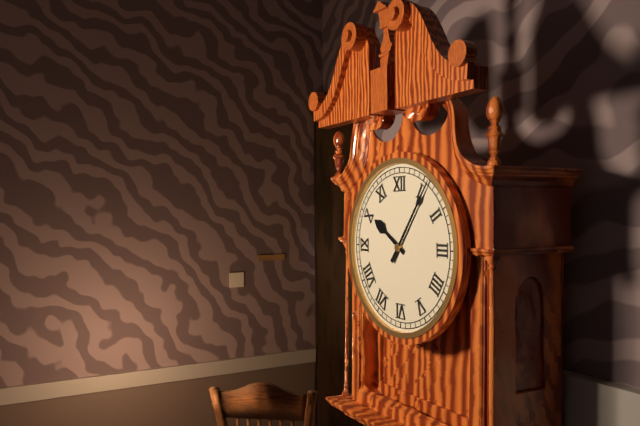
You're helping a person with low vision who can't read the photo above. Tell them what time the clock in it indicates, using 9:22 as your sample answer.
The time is 10:06
